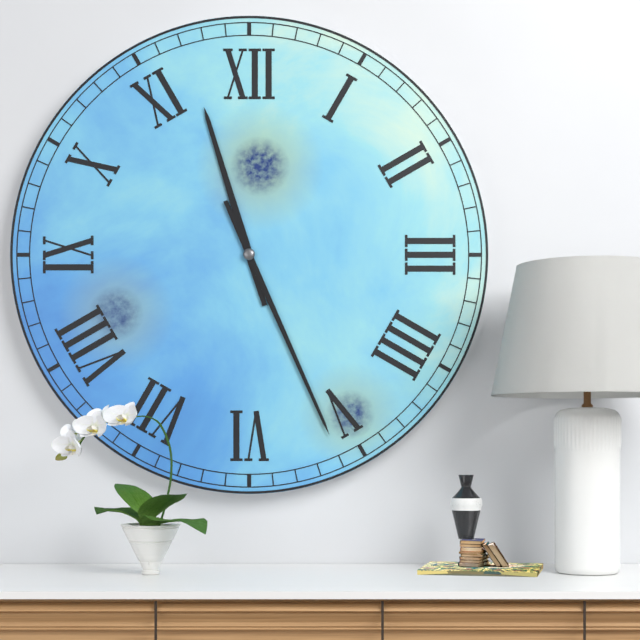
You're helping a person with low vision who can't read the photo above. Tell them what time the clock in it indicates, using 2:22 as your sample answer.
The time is 11:26
